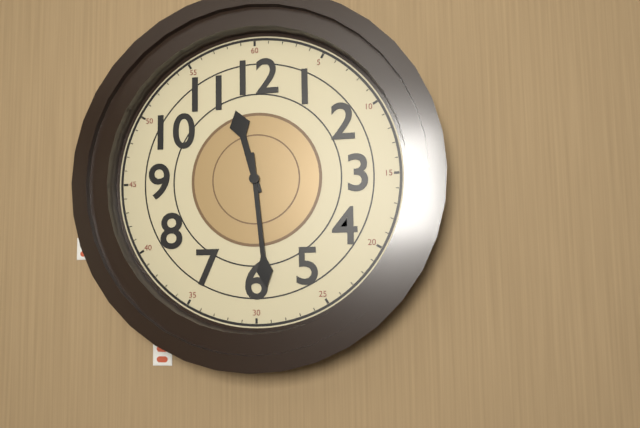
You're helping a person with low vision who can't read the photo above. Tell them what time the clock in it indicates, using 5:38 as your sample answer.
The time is 11:29
